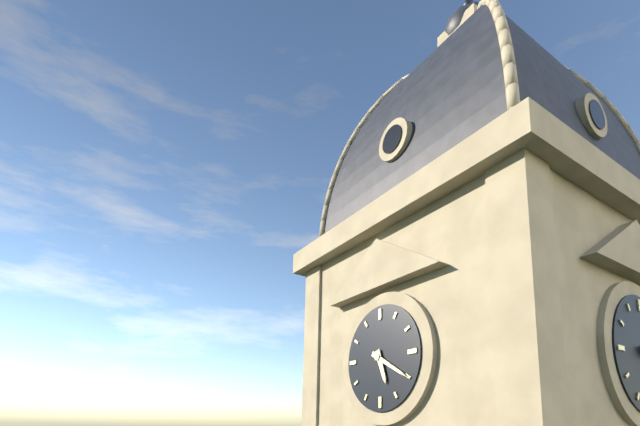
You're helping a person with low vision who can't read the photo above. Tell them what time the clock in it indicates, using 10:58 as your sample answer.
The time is 5:20
